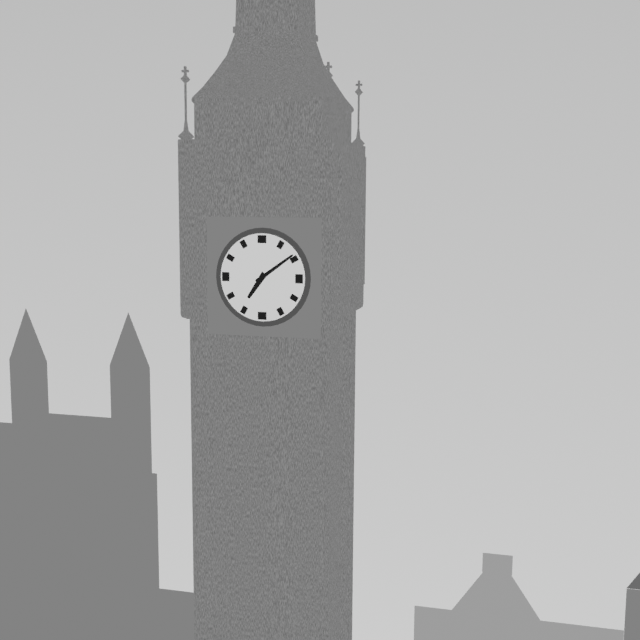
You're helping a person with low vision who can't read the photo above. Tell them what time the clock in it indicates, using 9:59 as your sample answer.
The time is 7:09
